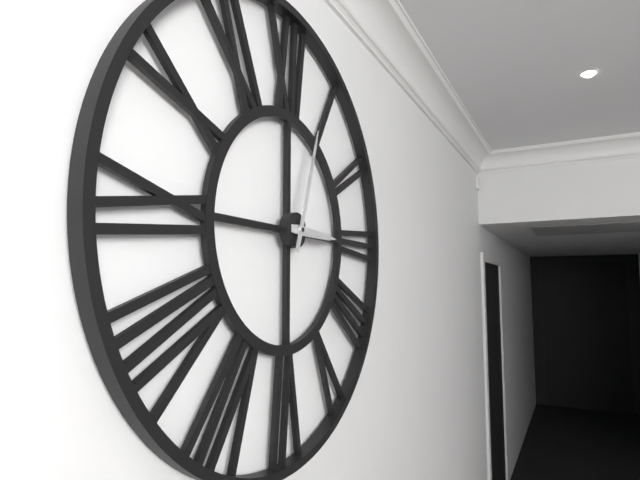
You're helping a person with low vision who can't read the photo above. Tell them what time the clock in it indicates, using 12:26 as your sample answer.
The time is 3:03
